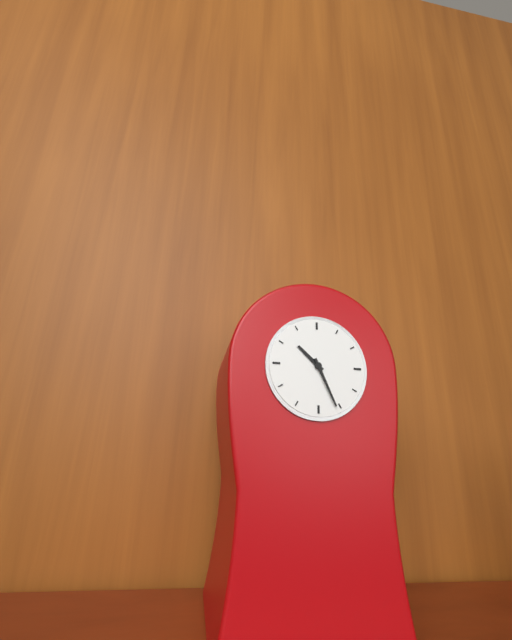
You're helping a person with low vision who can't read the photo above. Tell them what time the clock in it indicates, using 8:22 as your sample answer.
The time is 10:26
